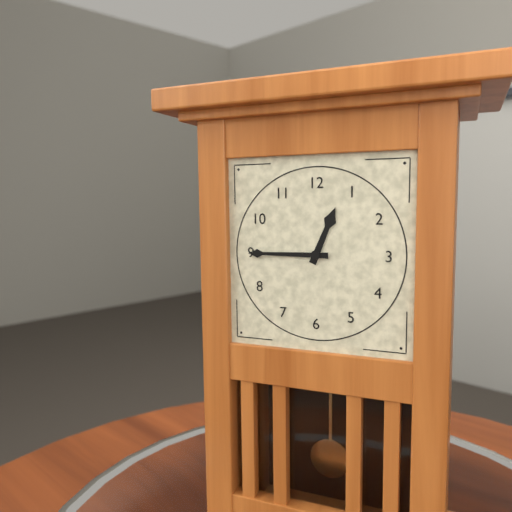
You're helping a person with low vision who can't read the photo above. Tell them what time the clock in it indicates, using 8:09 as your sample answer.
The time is 12:45
